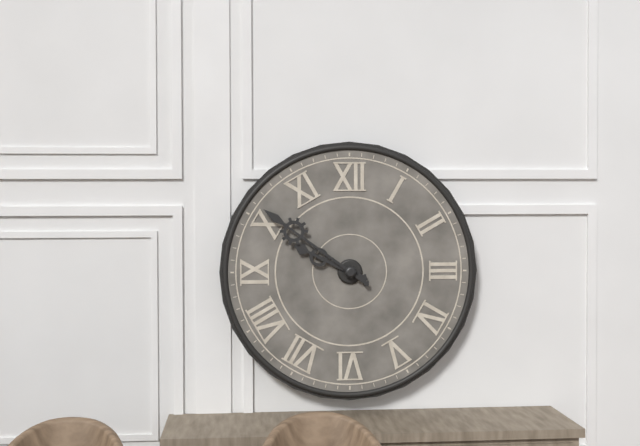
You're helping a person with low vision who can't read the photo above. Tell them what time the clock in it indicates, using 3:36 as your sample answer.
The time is 9:51
